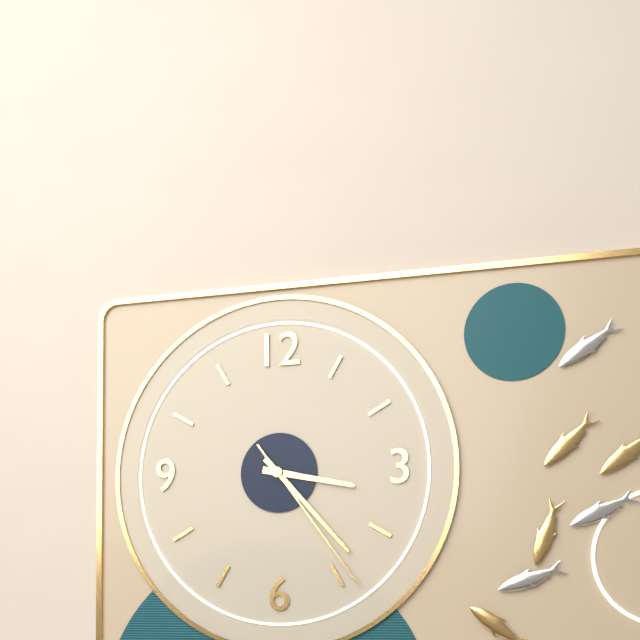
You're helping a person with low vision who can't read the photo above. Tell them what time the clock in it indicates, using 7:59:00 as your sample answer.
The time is 3:23:24
